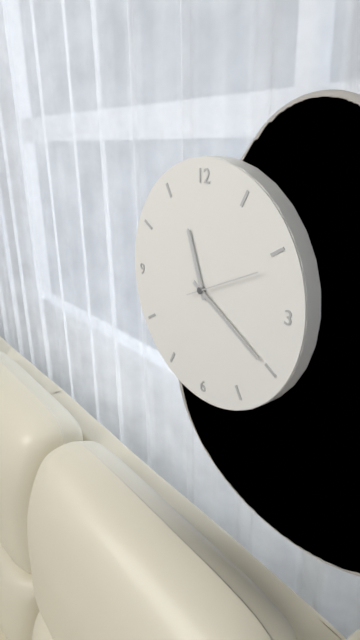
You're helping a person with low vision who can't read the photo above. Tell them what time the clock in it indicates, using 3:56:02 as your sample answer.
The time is 11:20:11
